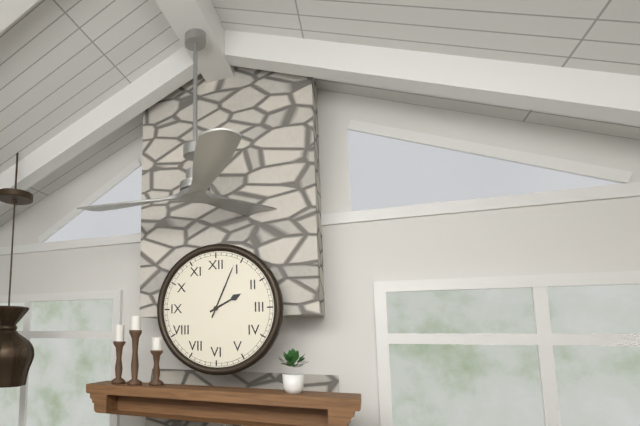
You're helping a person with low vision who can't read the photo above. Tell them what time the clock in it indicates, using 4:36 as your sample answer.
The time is 2:04
